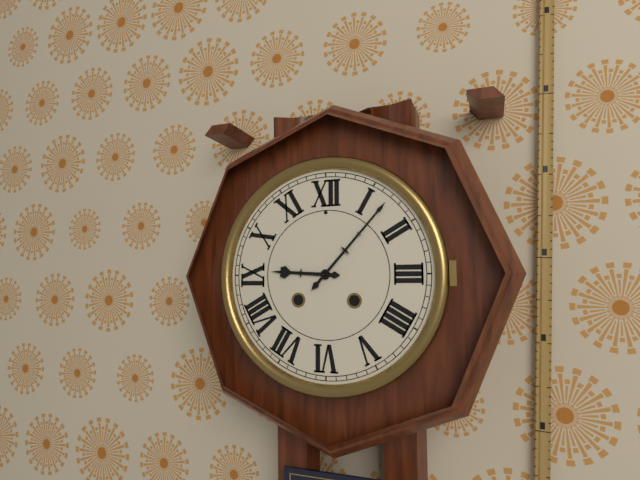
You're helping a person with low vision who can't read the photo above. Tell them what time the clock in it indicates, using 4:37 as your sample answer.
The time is 9:07
